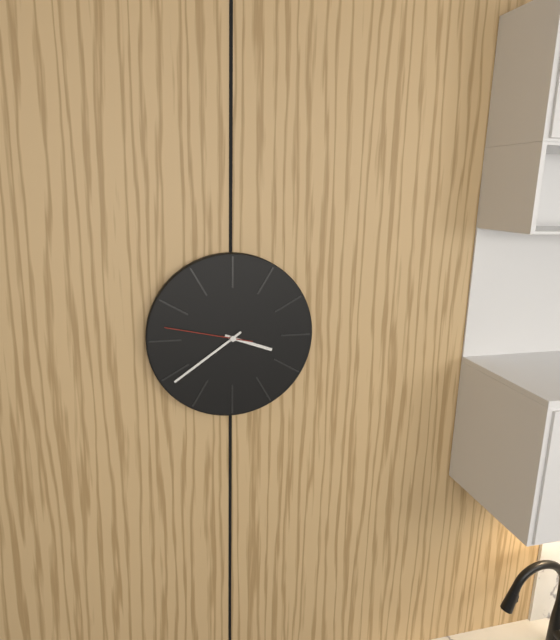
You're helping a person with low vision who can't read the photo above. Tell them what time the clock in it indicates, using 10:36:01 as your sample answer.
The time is 3:39:47
